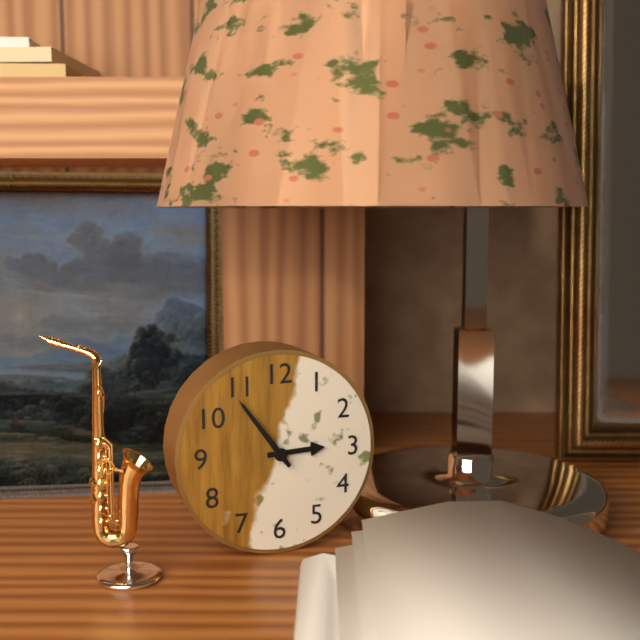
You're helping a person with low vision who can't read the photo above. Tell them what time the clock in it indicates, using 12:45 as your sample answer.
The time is 2:54
